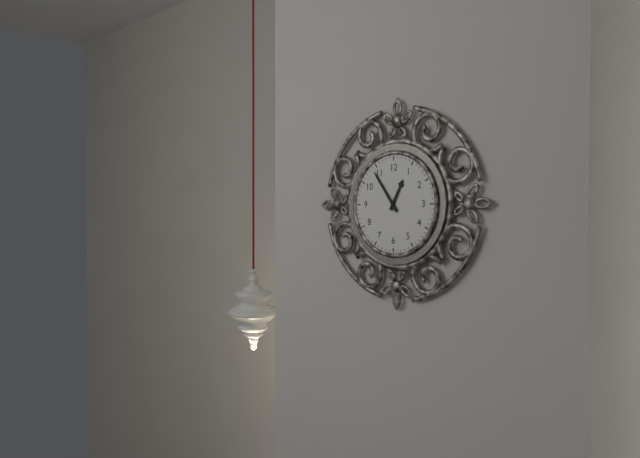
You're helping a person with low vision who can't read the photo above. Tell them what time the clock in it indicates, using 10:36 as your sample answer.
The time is 12:54
